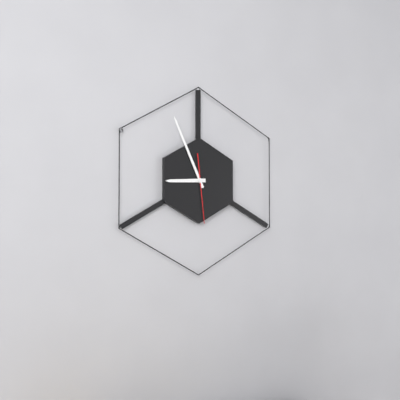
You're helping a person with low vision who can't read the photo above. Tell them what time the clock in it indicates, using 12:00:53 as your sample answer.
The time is 8:56:29
